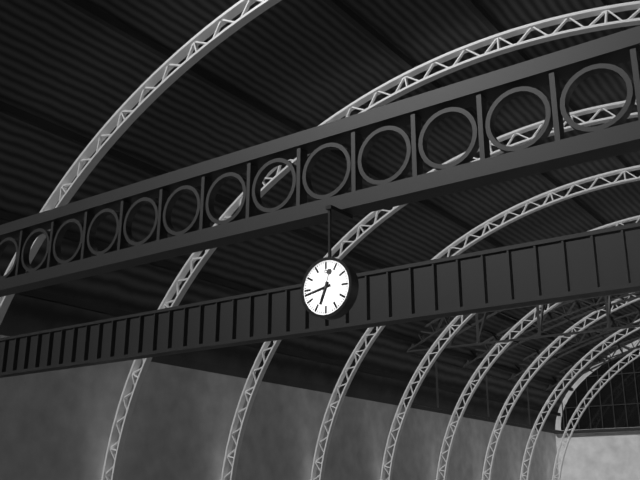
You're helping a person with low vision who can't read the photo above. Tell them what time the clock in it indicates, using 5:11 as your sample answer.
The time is 6:43
